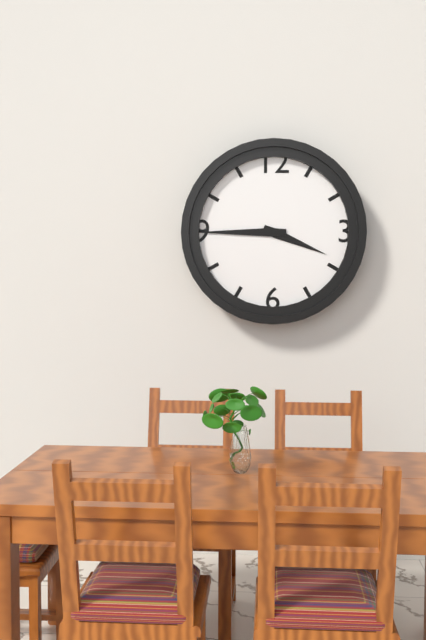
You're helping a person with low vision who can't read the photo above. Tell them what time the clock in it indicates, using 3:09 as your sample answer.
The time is 3:45
